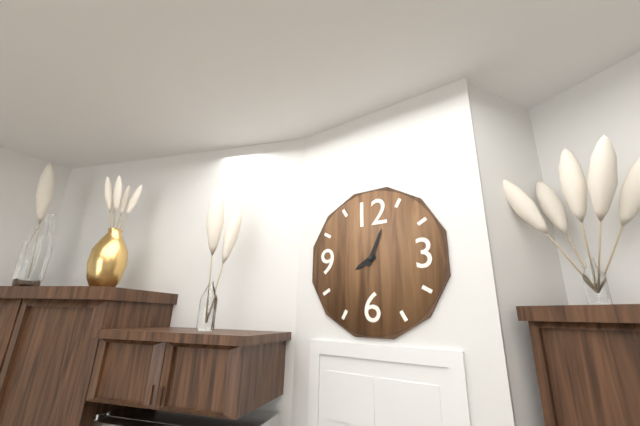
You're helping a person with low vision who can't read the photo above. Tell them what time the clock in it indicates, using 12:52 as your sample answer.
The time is 8:04
